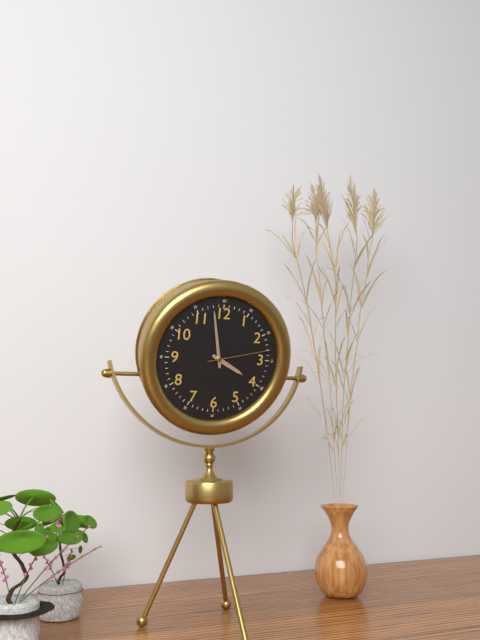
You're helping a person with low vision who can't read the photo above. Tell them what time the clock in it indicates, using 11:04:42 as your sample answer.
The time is 3:58:13
